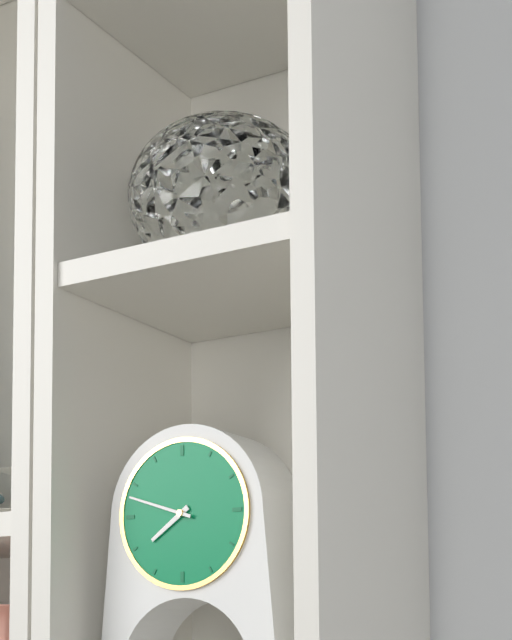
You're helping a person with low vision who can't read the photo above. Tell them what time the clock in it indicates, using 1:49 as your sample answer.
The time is 7:48
